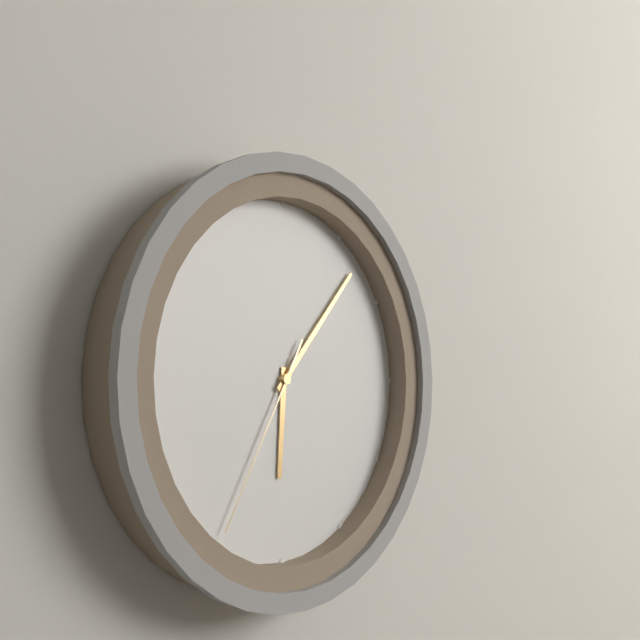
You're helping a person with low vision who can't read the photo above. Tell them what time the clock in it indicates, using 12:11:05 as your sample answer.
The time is 6:07:35
